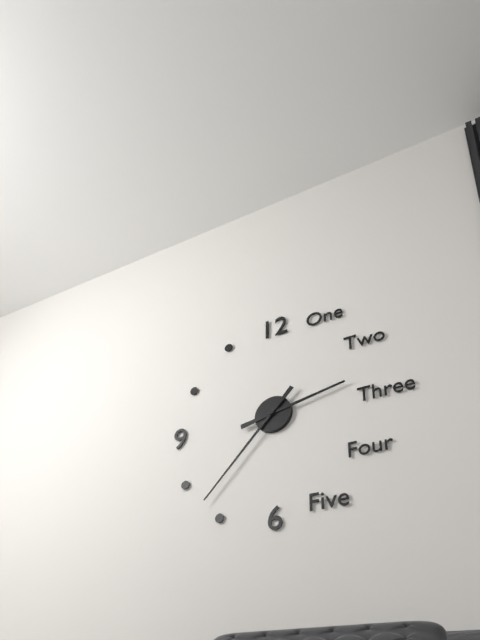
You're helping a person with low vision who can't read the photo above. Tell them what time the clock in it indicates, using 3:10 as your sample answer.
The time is 2:37
